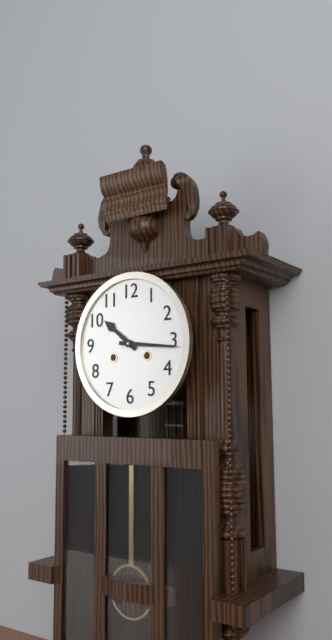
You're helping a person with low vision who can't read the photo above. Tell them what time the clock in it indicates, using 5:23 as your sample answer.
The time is 10:16
